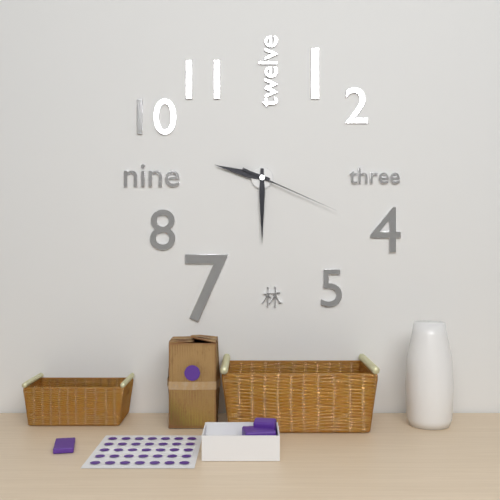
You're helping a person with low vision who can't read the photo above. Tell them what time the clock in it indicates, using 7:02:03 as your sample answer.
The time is 9:30:19
